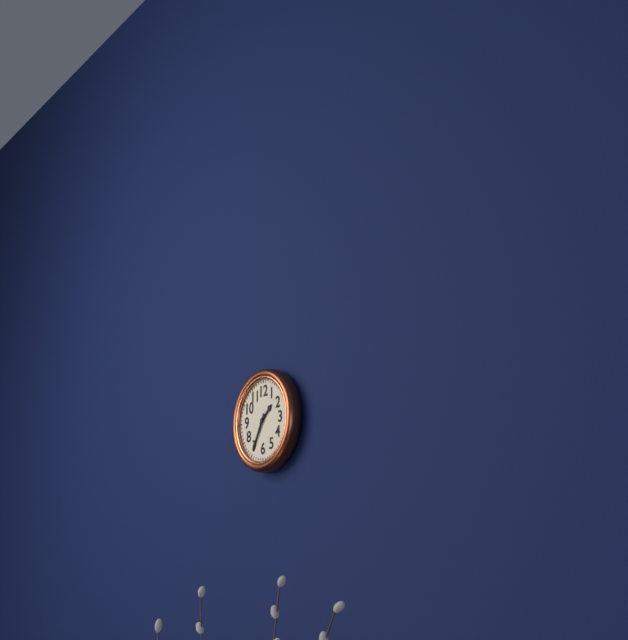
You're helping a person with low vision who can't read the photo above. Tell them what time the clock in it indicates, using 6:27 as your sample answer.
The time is 1:35
